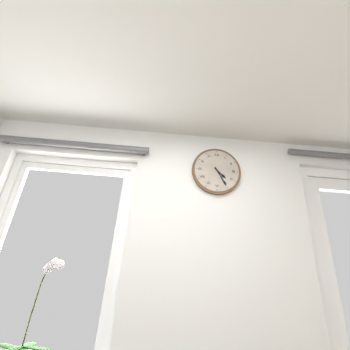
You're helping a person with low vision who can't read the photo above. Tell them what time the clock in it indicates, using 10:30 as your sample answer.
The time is 4:25
